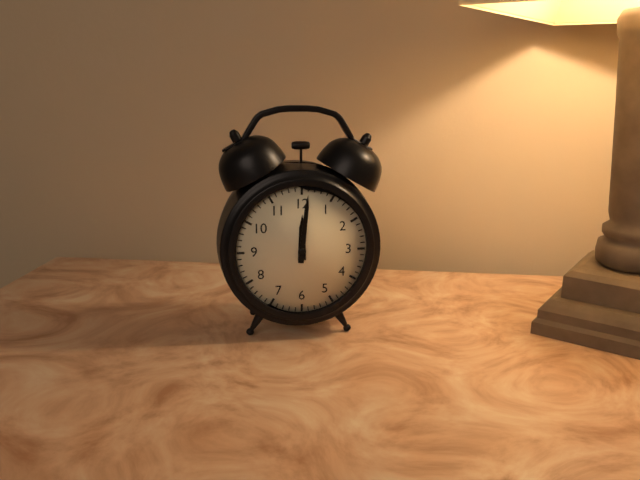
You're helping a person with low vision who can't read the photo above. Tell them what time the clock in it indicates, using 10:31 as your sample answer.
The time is 12:01
